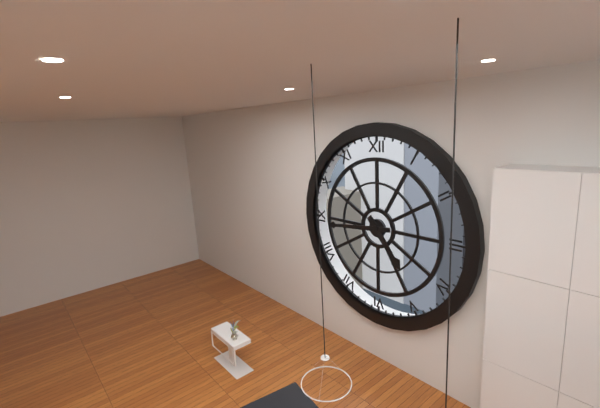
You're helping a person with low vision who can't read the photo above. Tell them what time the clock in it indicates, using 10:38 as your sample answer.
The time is 4:44
